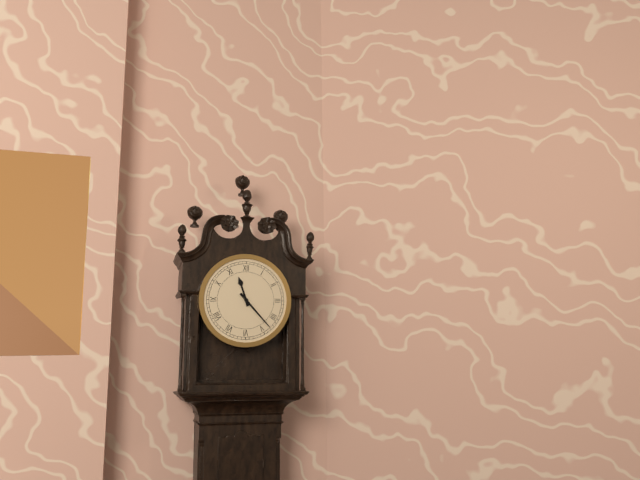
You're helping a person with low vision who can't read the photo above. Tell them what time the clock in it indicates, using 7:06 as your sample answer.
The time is 11:23
